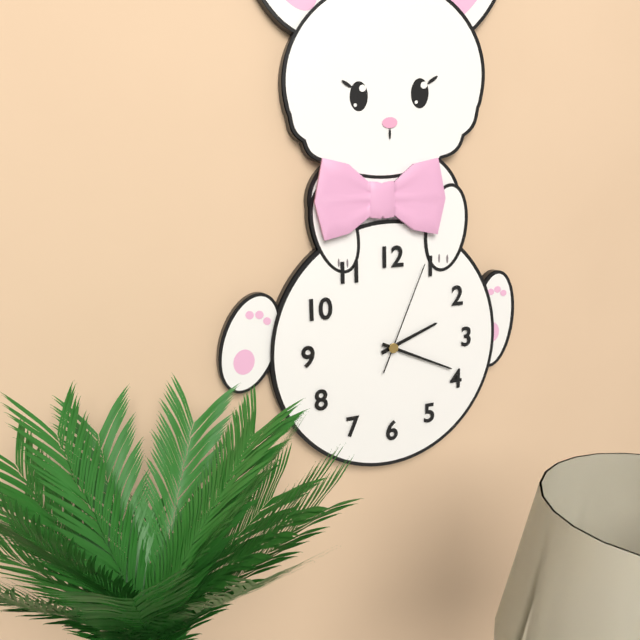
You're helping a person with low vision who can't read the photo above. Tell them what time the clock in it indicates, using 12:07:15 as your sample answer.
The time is 2:19:04
